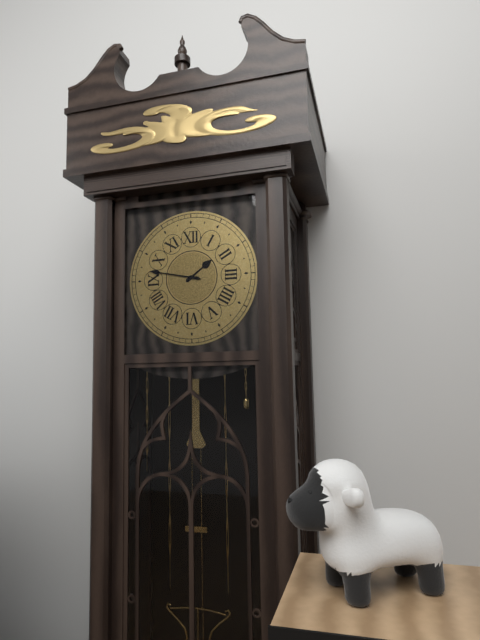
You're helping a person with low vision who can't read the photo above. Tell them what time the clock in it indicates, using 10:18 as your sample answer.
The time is 1:47
